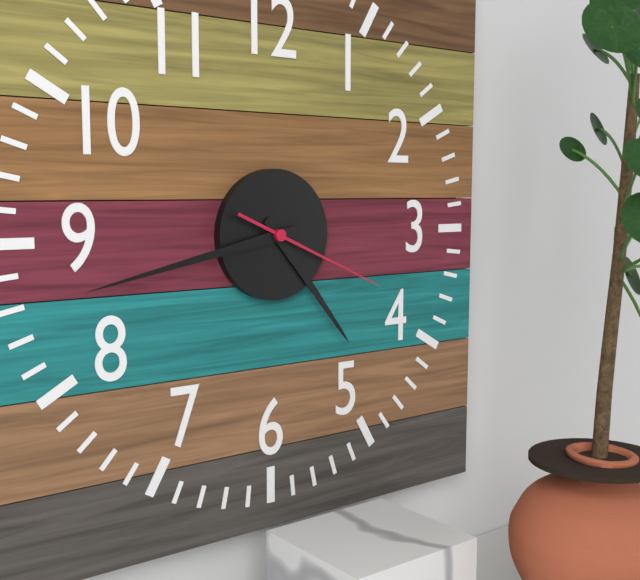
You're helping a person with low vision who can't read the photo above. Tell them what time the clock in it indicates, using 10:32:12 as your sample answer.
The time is 4:43:19
